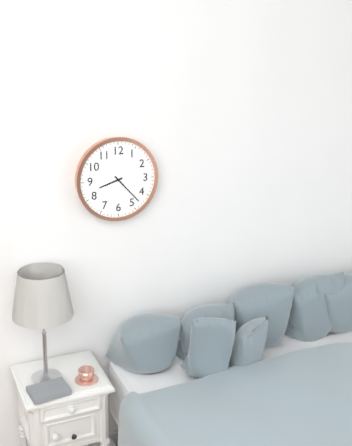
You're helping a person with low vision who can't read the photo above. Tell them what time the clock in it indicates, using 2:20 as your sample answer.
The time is 8:23
